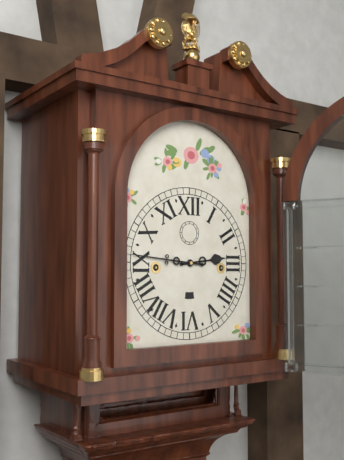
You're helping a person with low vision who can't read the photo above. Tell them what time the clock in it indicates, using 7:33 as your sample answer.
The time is 2:46
